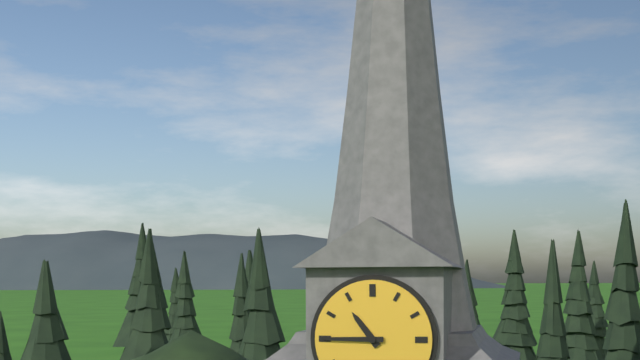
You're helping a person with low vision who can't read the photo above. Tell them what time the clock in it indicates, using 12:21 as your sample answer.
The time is 10:45
